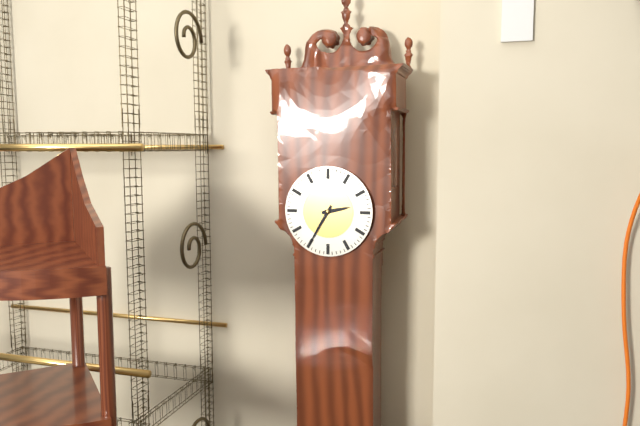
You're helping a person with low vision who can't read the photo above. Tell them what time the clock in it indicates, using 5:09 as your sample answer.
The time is 2:35
